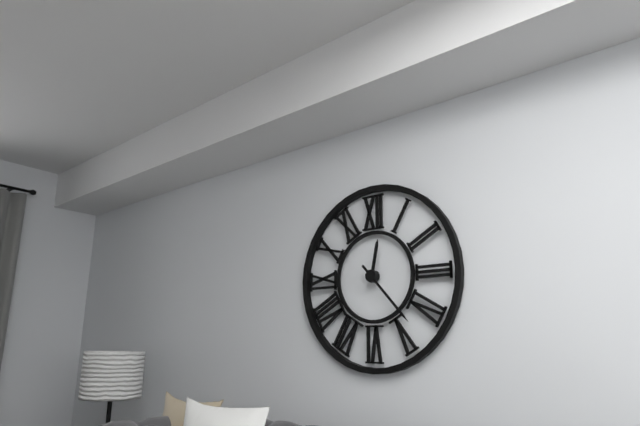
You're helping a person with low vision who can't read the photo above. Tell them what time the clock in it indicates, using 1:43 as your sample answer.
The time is 12:23
